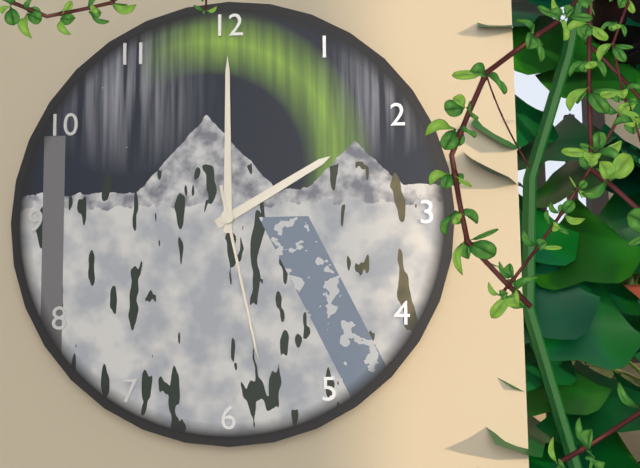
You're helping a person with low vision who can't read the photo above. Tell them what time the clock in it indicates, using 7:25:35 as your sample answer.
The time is 2:00:28
